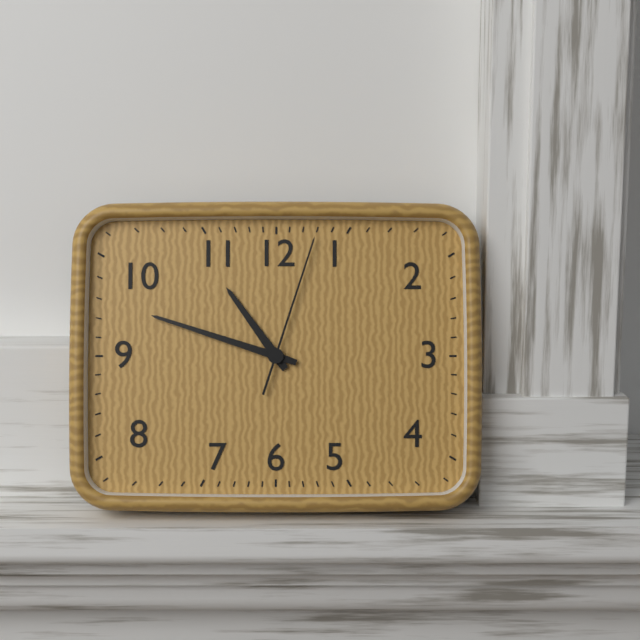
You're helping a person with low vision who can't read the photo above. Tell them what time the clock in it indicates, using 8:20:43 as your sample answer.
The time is 10:48:03
